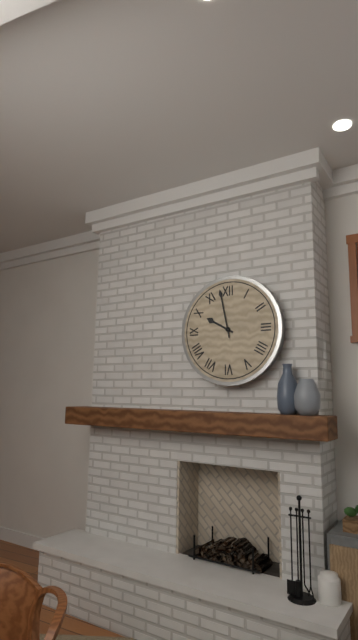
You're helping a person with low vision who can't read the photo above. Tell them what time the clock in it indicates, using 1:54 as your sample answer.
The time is 9:58
